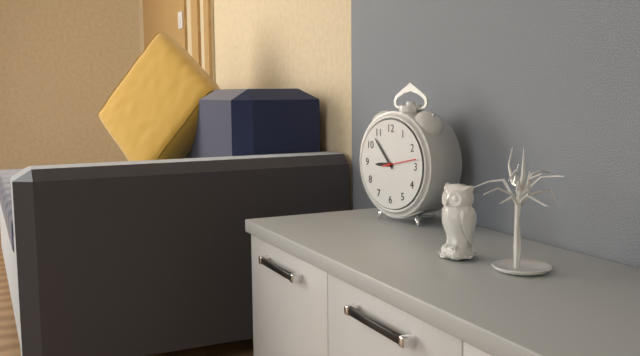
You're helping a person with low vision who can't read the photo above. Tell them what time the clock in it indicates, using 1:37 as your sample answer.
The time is 8:53
